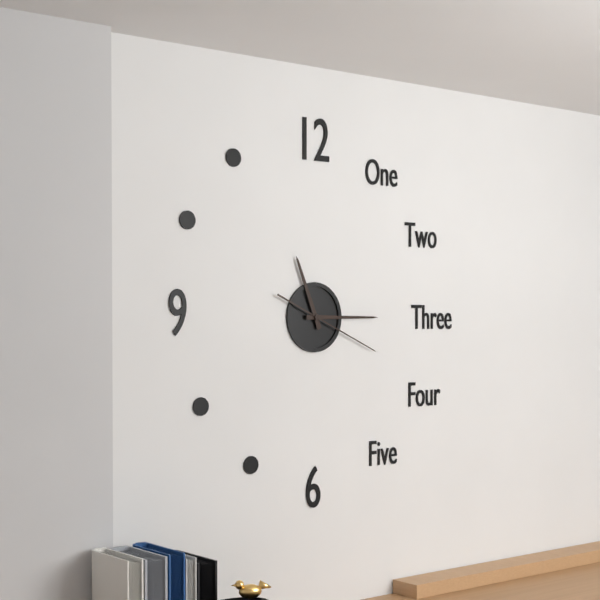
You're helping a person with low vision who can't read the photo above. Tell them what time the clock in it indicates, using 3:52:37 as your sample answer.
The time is 11:15:19
